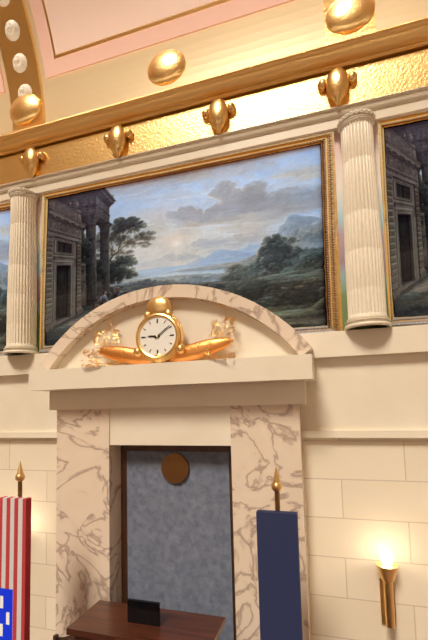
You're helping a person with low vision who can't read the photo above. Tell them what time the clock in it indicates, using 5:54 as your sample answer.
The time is 9:09
